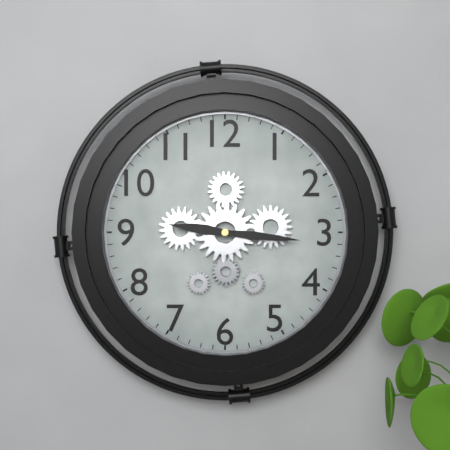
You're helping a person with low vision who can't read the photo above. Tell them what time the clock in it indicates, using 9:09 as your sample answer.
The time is 9:16
